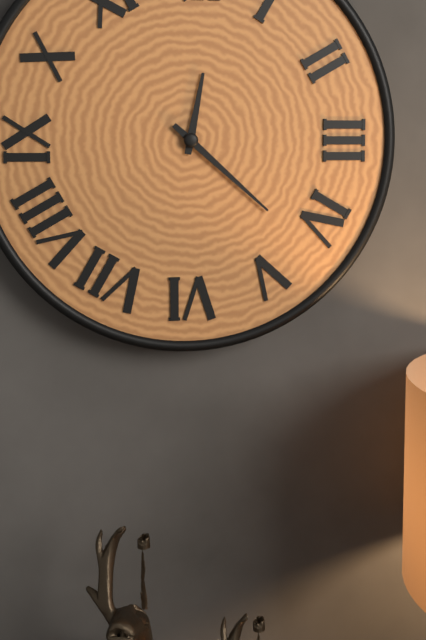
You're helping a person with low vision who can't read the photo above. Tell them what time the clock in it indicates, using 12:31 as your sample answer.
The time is 12:22
